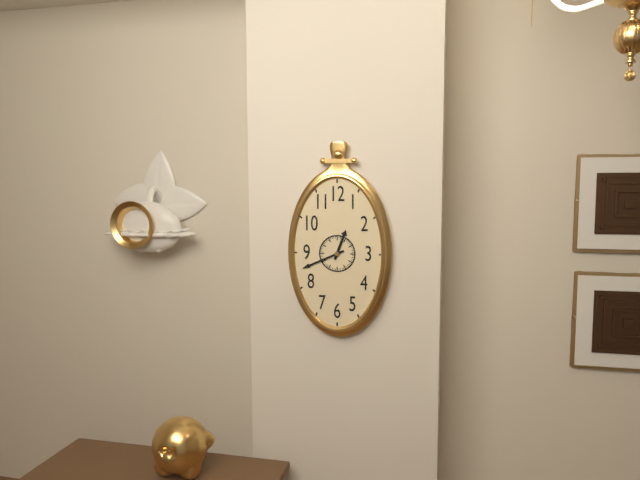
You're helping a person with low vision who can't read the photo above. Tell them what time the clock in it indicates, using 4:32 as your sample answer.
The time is 12:41
